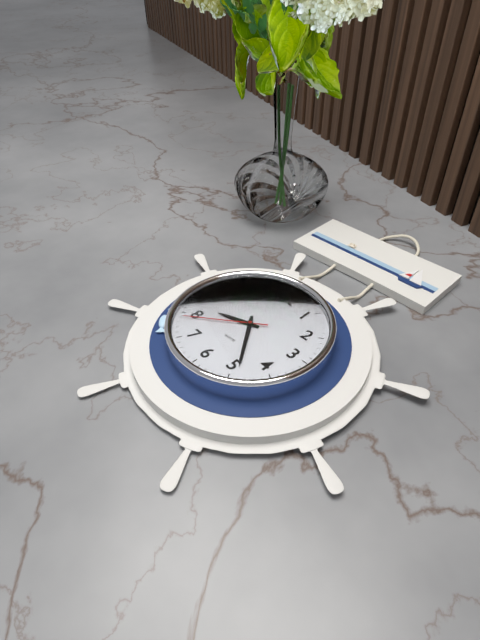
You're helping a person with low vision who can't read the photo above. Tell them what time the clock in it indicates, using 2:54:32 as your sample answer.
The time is 8:24:39
